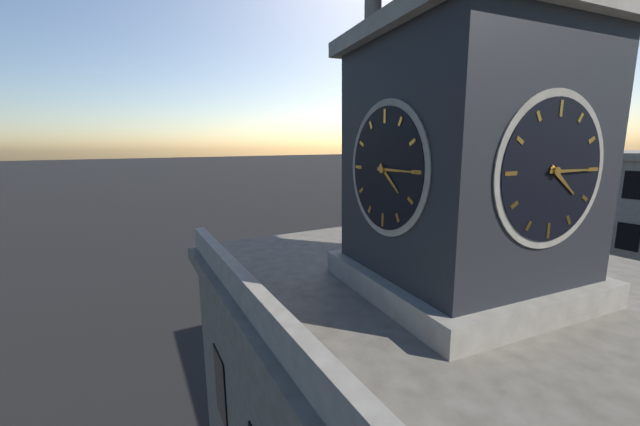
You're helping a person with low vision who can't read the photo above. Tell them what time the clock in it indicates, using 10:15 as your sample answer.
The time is 4:15
